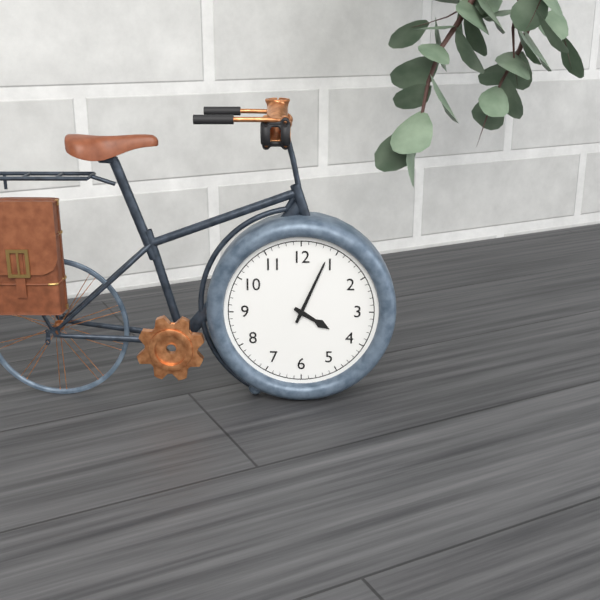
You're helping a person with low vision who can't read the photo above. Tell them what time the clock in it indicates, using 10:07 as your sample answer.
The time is 4:04
